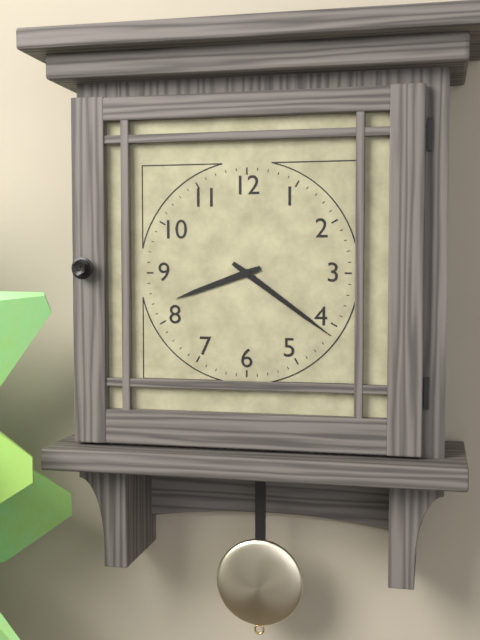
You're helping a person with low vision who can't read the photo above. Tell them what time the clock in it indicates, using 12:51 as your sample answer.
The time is 8:21
